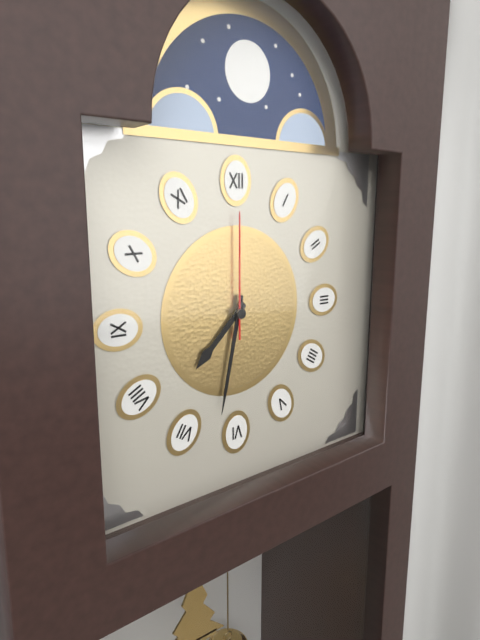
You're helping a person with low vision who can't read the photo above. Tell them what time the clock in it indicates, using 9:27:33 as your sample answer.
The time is 7:32:00
